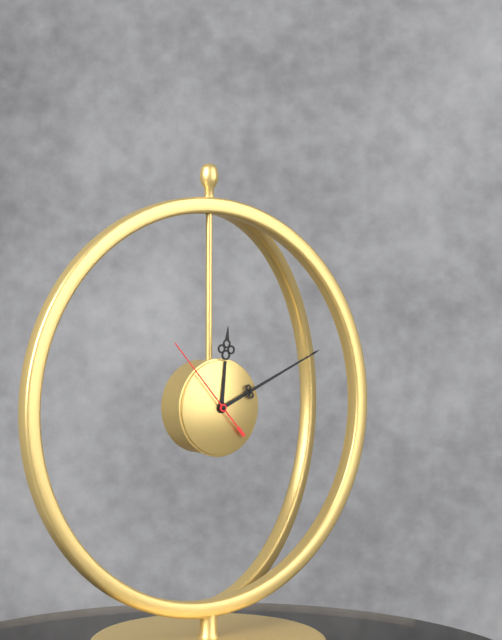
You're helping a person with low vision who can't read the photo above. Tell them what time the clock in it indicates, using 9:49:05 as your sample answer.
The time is 12:11:53
